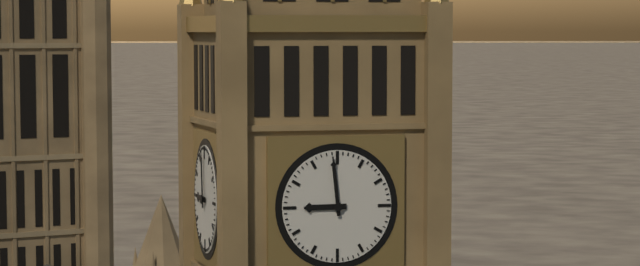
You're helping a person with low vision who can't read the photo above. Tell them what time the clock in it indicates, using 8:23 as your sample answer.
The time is 8:59
